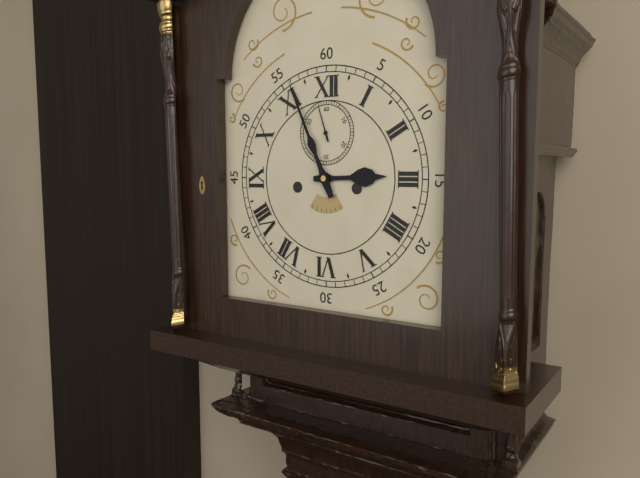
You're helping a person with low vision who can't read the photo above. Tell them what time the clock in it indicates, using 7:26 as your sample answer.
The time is 2:56
